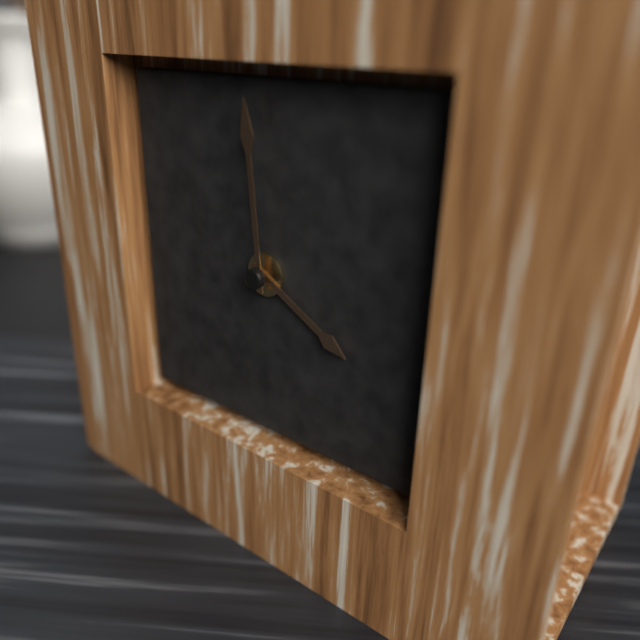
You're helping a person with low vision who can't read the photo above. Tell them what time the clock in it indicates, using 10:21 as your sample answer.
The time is 3:59
